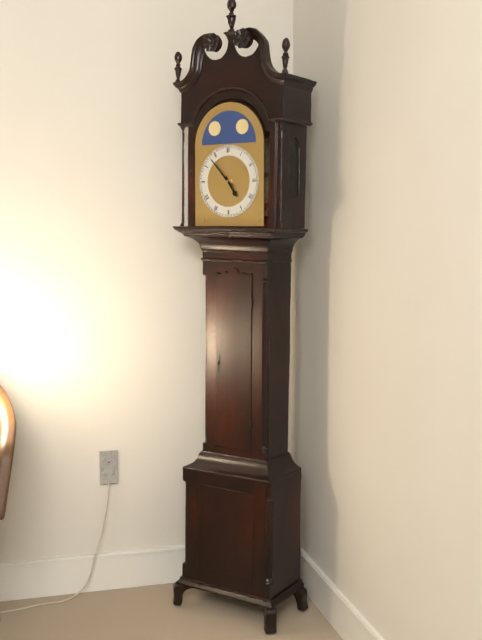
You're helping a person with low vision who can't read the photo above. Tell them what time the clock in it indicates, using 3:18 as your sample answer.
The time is 4:53
